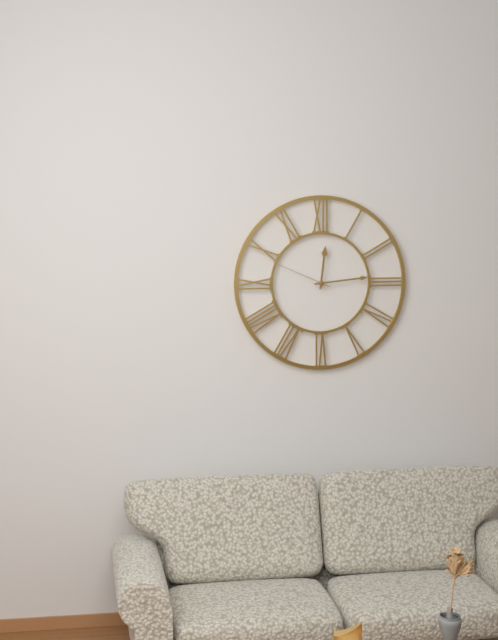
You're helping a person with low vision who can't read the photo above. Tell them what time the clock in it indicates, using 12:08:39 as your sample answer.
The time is 12:14:49
